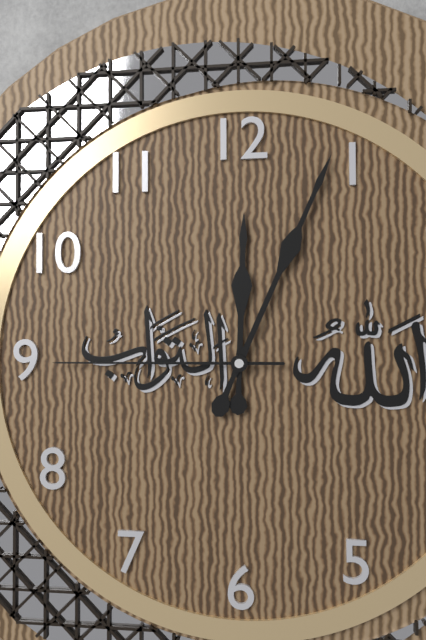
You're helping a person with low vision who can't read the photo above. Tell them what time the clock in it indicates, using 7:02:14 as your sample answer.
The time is 12:04:45
